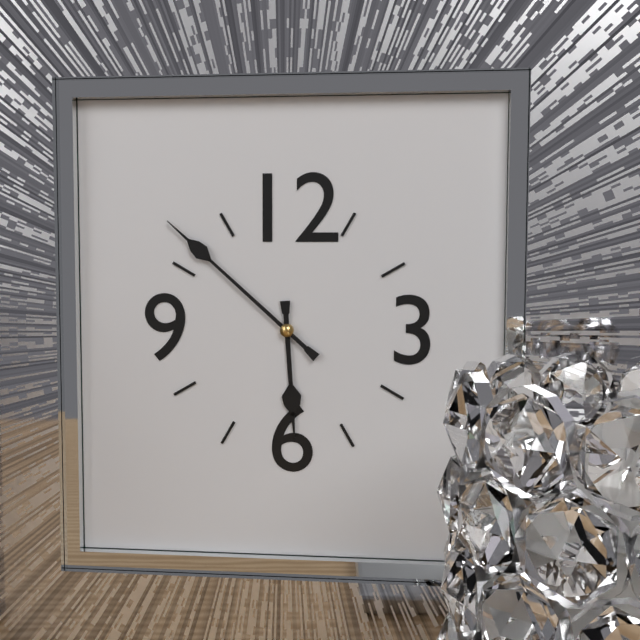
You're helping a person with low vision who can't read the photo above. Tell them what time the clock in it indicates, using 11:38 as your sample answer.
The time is 5:52
